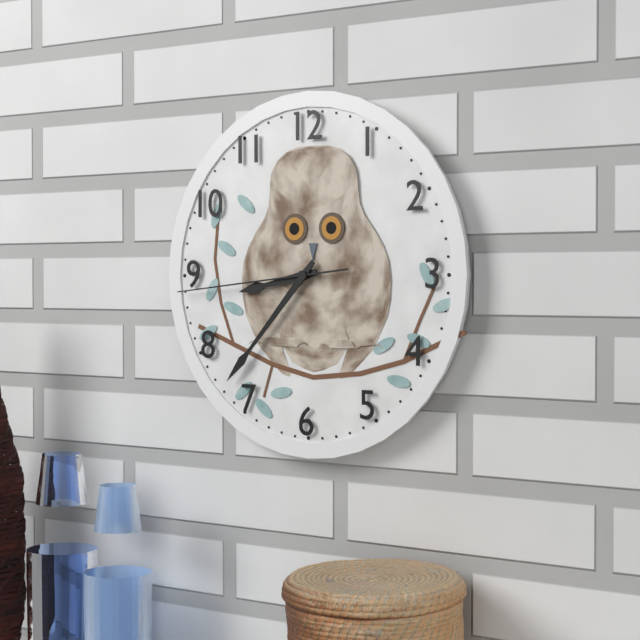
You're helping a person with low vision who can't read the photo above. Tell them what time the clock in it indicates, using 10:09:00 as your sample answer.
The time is 8:37:44
